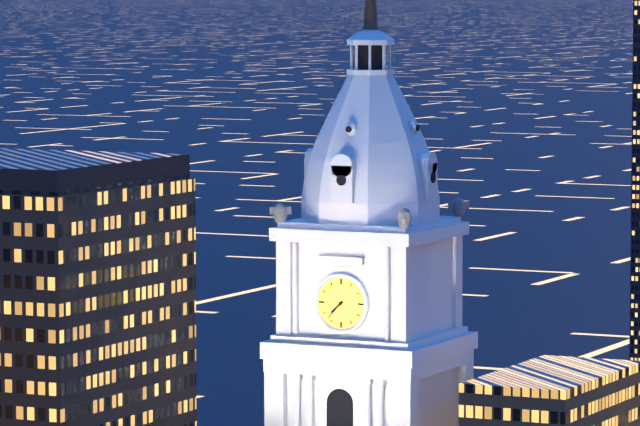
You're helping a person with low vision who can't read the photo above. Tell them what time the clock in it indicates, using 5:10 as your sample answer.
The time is 7:37
